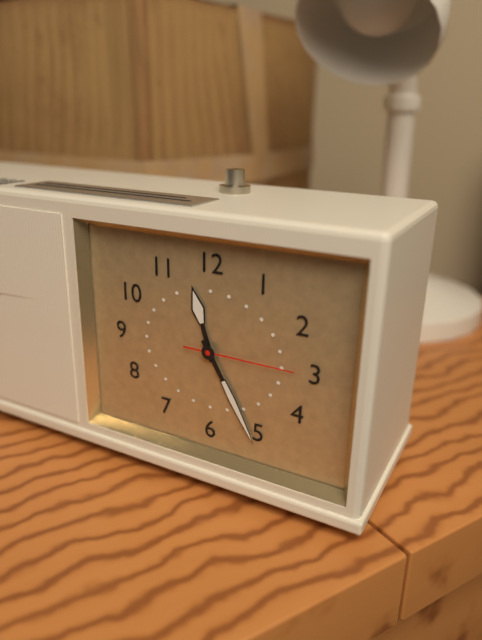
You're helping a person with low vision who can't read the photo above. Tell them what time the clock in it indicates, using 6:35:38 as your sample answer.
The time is 11:25:15
